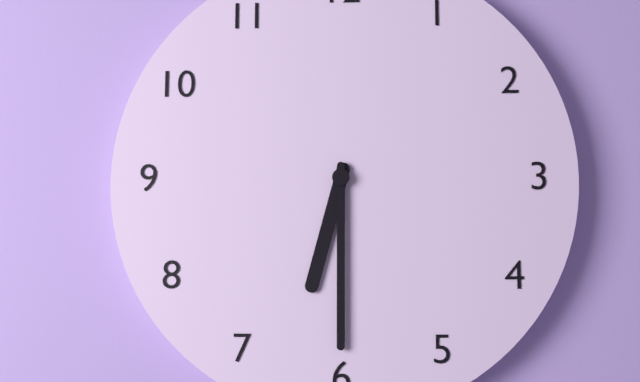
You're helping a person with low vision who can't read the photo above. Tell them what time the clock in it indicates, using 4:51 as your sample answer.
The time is 6:30
